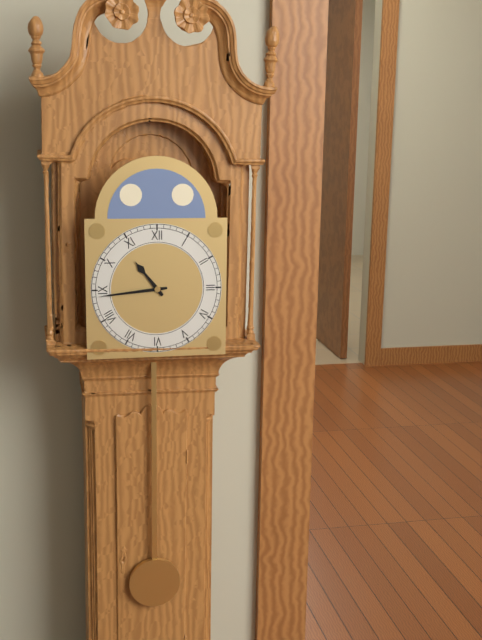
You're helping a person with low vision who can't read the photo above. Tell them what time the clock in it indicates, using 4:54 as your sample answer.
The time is 10:44
